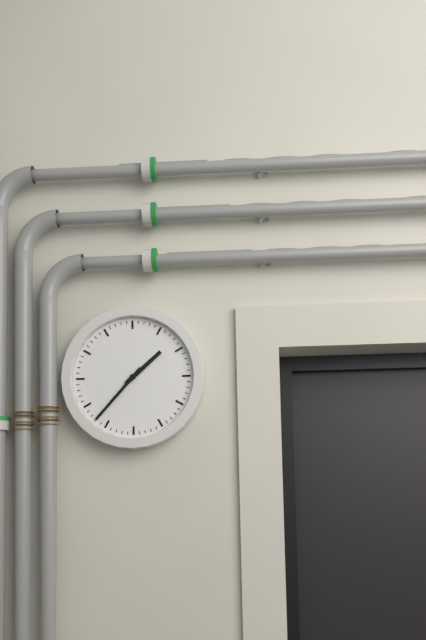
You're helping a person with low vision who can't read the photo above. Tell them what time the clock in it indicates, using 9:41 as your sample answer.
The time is 1:37
